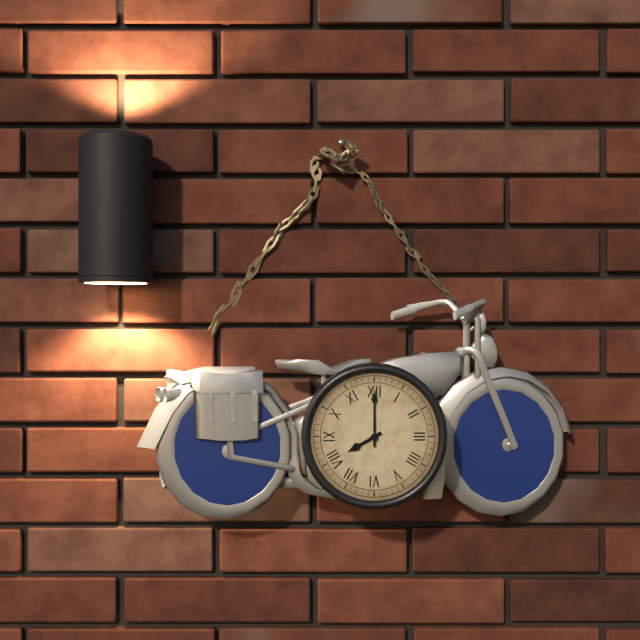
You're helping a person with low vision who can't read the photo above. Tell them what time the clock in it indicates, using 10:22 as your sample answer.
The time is 8:00
